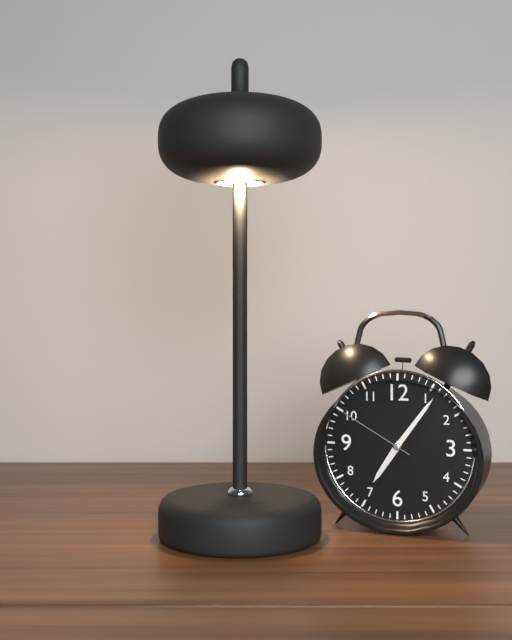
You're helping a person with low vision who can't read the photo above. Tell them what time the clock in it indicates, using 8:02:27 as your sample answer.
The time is 7:06:50
